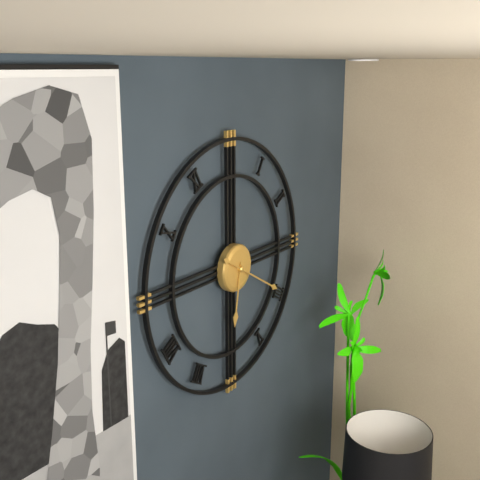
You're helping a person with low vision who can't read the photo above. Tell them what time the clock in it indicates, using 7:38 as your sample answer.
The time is 6:20
